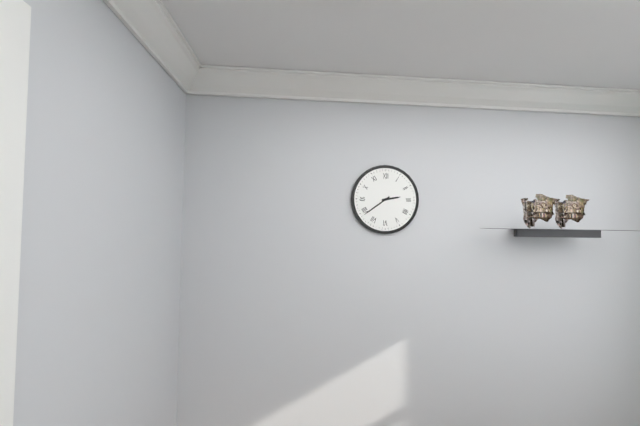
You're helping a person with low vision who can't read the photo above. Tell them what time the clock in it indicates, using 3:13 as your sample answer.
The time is 2:39
